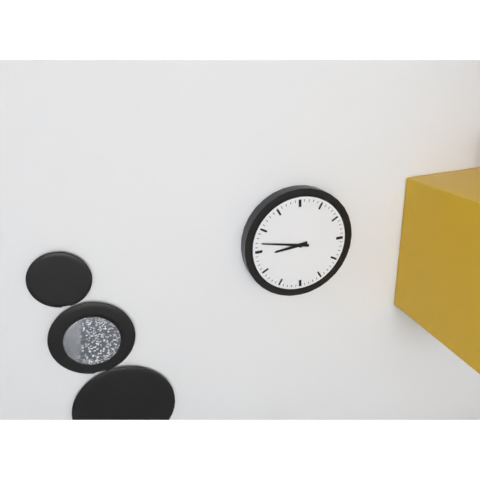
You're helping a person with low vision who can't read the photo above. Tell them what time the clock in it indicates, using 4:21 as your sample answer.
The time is 8:47
